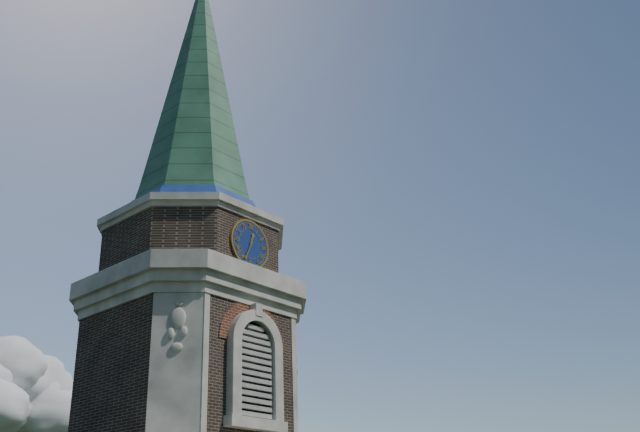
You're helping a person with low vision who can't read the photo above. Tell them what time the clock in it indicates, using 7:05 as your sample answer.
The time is 12:34
